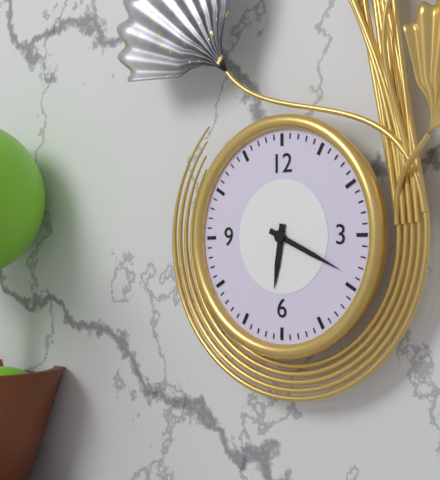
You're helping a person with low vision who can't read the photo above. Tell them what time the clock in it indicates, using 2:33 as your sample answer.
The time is 6:19
